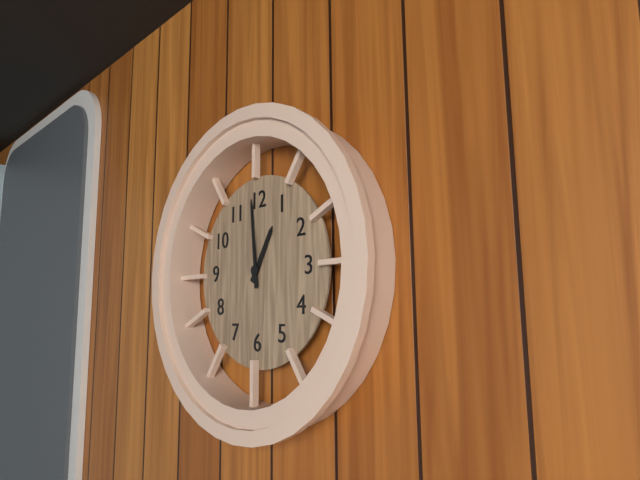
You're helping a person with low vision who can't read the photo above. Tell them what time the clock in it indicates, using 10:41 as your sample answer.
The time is 12:59
